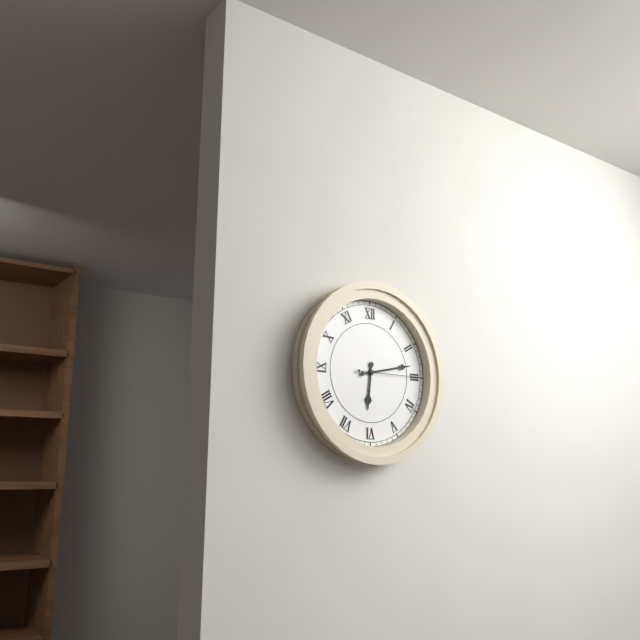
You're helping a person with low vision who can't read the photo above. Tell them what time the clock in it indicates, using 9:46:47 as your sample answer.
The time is 6:13:15
